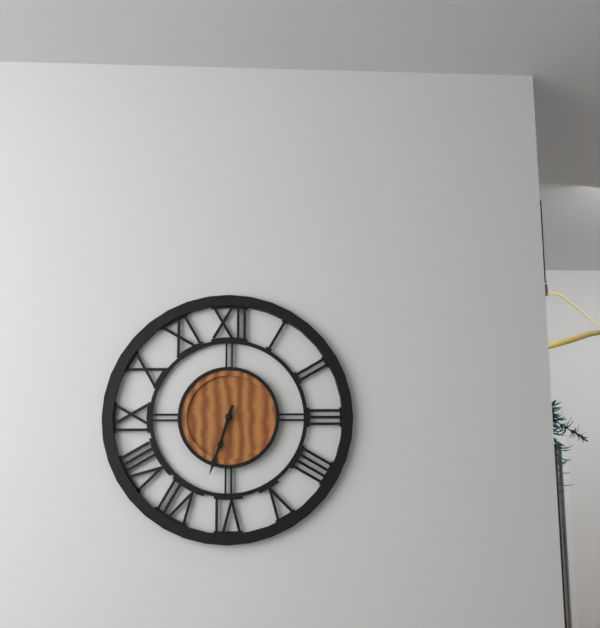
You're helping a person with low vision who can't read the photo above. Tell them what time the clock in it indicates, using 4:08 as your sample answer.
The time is 6:33
